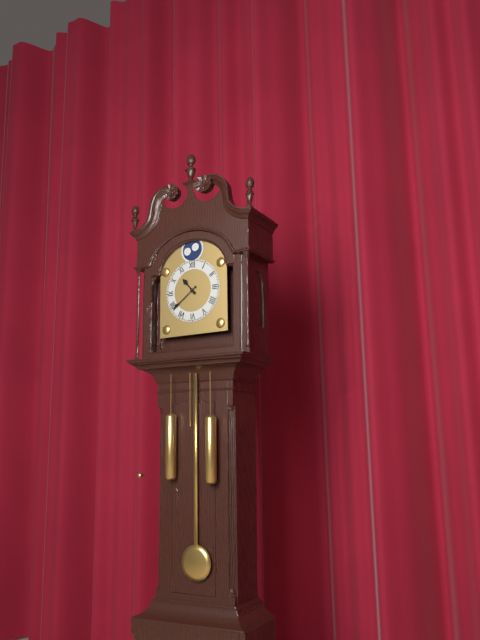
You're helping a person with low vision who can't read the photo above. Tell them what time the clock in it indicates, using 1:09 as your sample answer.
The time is 10:39
